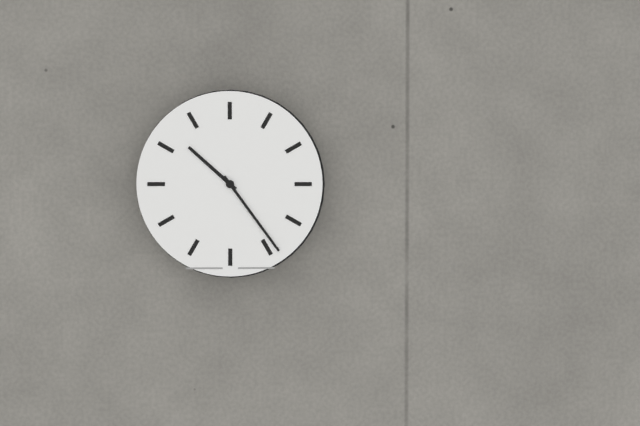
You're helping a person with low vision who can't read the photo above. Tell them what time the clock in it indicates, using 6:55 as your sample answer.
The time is 10:24
